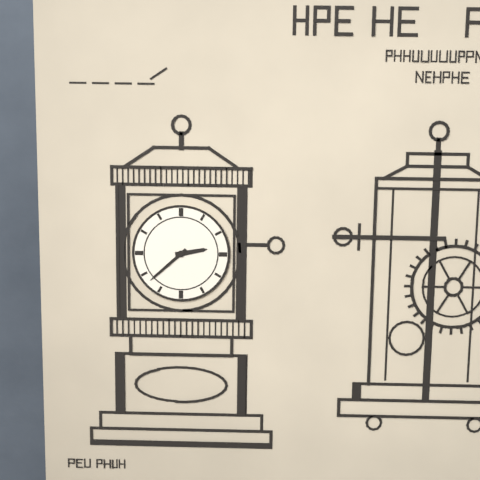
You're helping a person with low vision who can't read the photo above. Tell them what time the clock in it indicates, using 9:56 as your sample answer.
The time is 2:38
